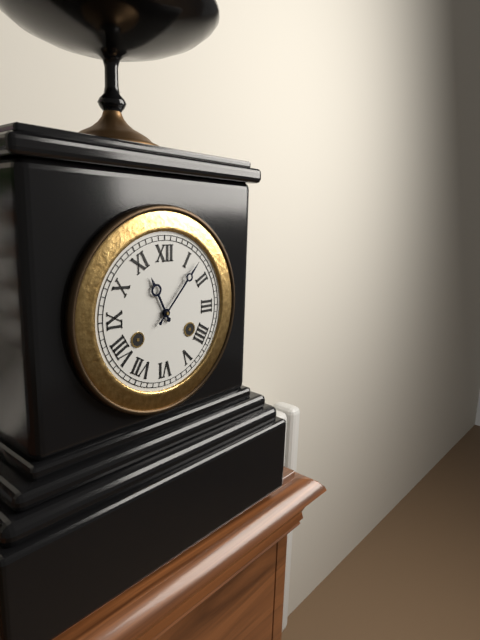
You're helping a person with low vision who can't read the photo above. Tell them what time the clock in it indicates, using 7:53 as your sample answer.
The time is 11:07
